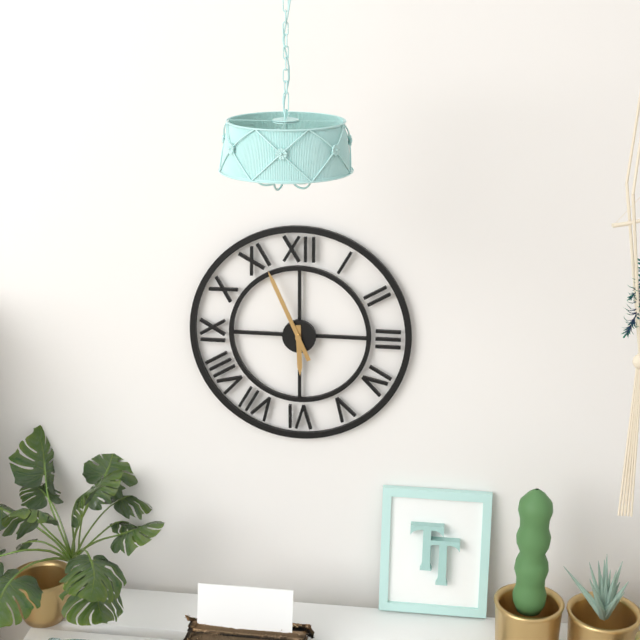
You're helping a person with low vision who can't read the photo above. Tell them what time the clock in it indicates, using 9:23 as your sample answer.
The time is 5:56
